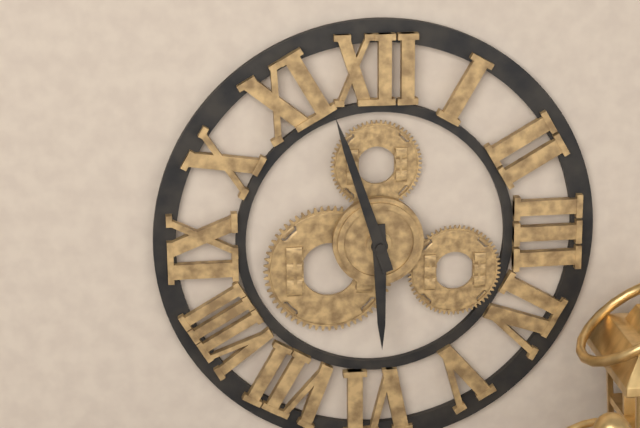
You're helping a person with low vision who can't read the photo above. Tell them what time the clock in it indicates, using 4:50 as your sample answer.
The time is 5:57
